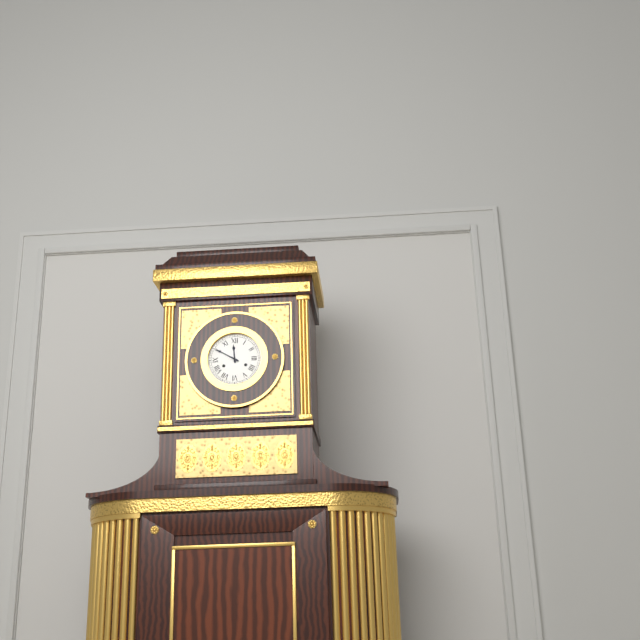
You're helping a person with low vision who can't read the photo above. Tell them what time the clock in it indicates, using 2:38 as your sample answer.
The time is 11:50
